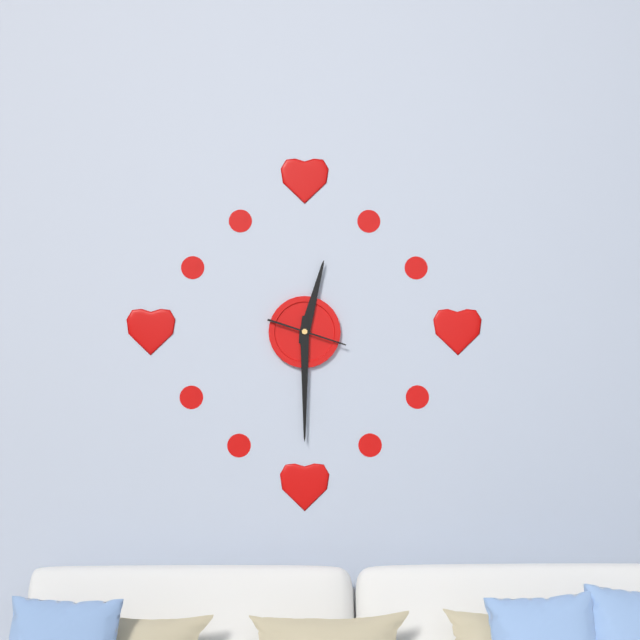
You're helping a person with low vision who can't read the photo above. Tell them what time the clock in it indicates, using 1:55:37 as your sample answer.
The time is 12:30:18
